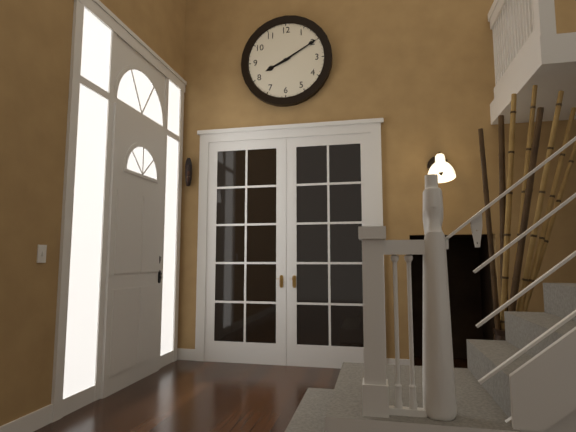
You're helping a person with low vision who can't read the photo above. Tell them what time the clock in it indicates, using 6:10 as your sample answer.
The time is 8:10
